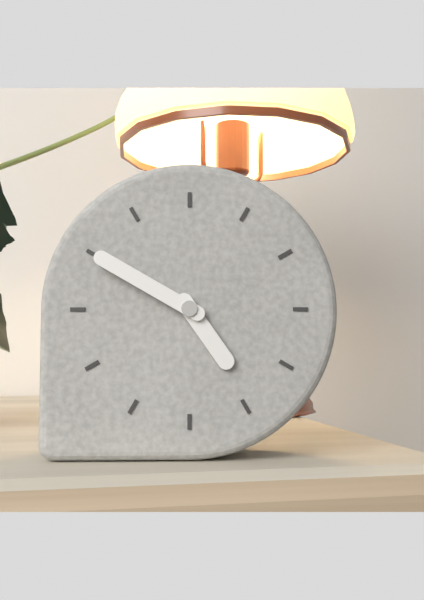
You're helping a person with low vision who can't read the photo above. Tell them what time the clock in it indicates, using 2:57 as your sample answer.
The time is 4:50
